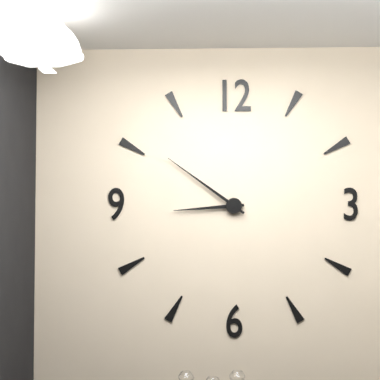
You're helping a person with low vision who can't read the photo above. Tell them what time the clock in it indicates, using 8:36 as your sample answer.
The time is 8:51
